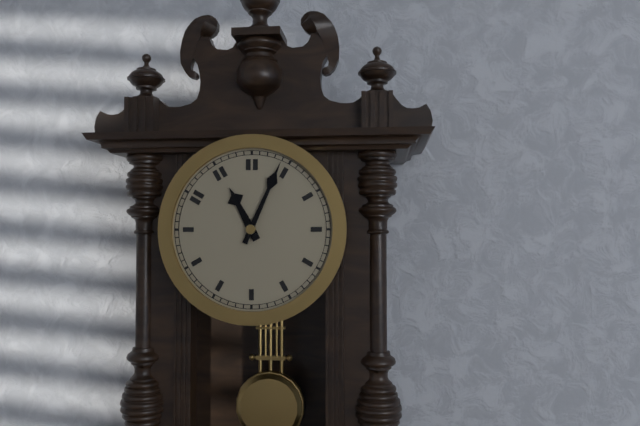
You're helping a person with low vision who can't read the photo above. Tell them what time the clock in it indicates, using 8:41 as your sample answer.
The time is 11:04
